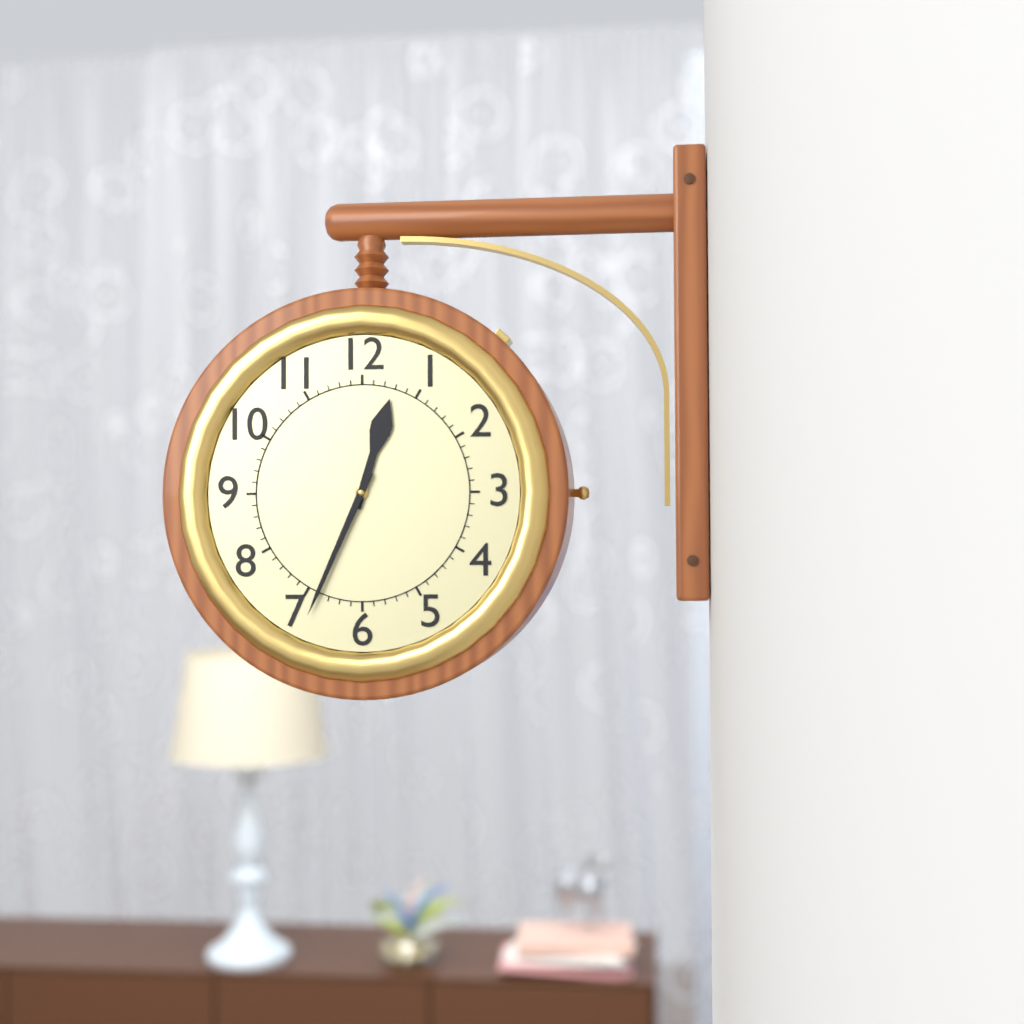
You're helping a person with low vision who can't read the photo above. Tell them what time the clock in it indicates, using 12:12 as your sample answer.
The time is 12:34
